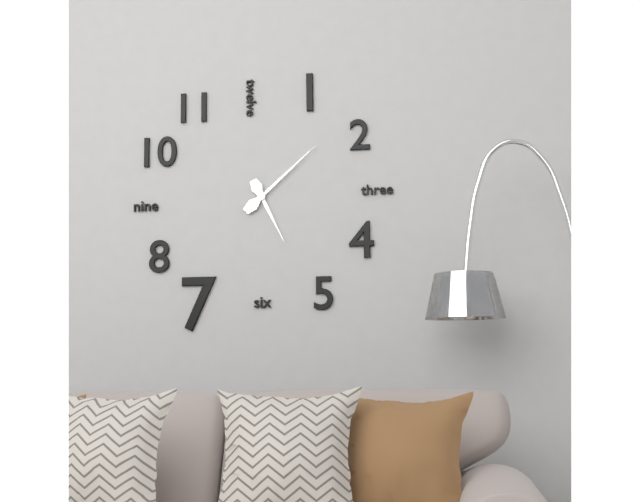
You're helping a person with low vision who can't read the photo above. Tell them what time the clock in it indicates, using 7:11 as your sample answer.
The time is 5:08
